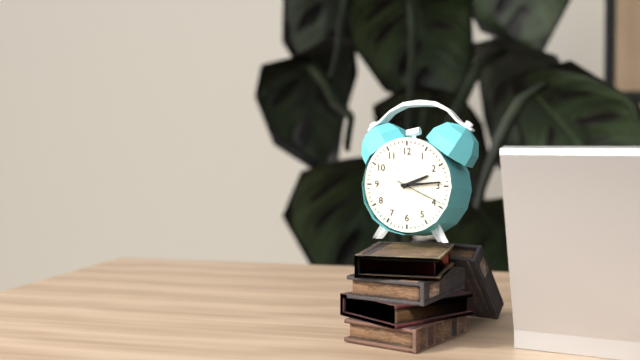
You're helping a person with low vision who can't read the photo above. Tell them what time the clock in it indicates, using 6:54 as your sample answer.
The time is 2:14
